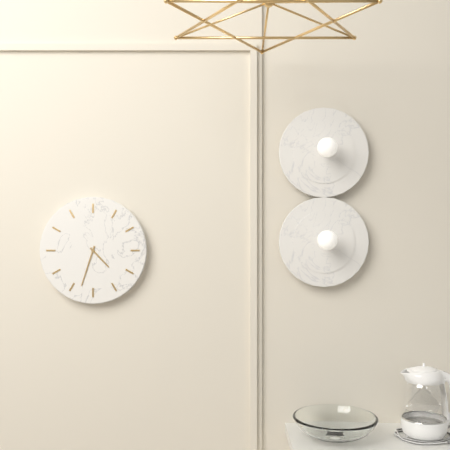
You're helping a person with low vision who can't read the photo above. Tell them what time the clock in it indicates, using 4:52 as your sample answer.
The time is 4:33
